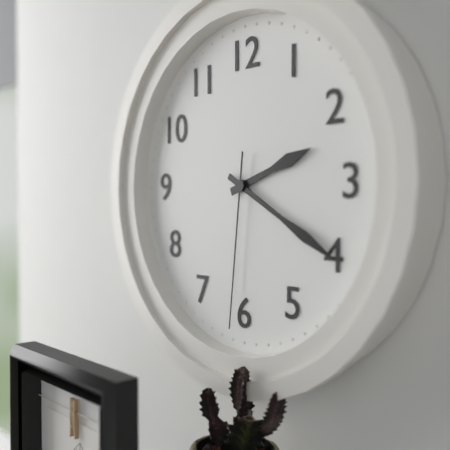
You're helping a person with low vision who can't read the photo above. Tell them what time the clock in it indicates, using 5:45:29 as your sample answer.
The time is 2:20:31
